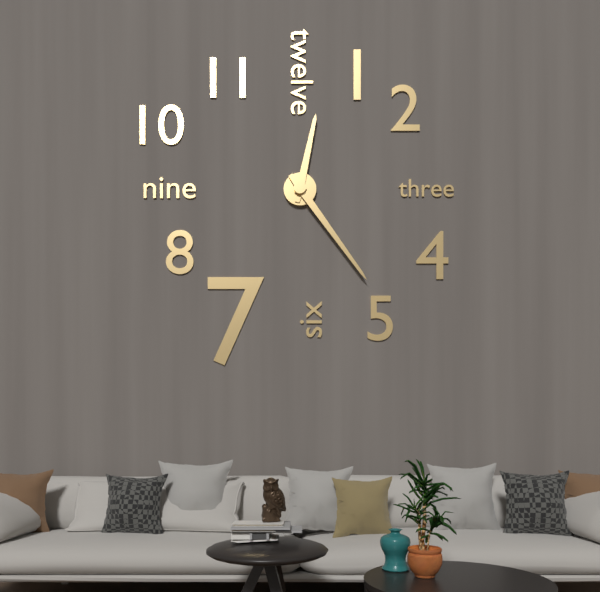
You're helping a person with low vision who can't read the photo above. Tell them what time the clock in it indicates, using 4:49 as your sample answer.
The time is 12:24
